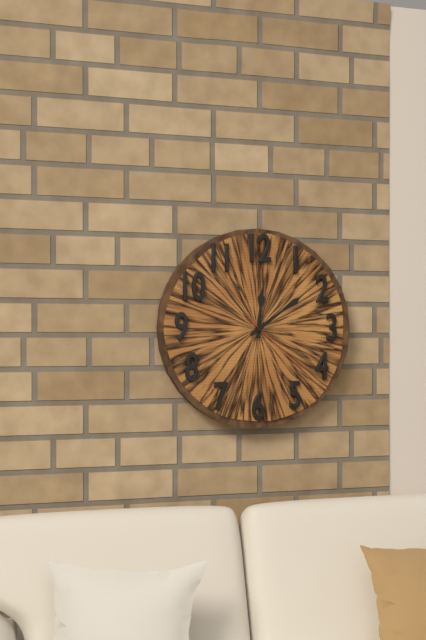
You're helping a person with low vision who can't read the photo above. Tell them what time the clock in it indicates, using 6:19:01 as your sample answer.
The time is 12:09:22
